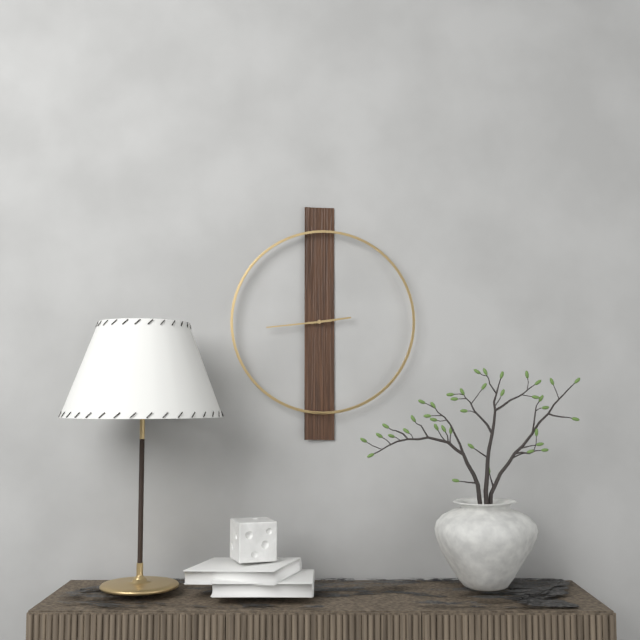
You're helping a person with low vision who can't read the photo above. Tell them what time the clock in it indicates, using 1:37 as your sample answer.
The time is 2:44
